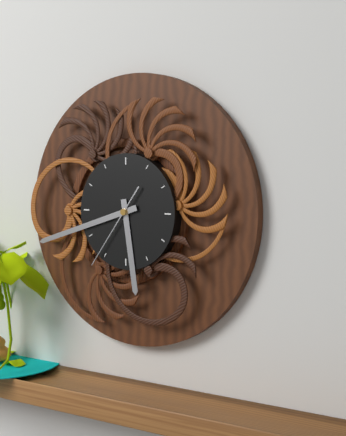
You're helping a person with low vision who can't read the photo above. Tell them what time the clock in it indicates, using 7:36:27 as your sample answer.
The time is 5:42:36
